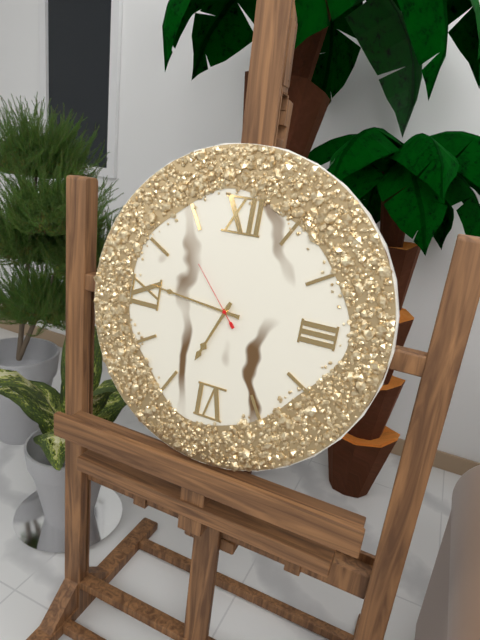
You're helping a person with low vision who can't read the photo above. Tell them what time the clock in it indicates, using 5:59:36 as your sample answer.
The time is 6:46:53
